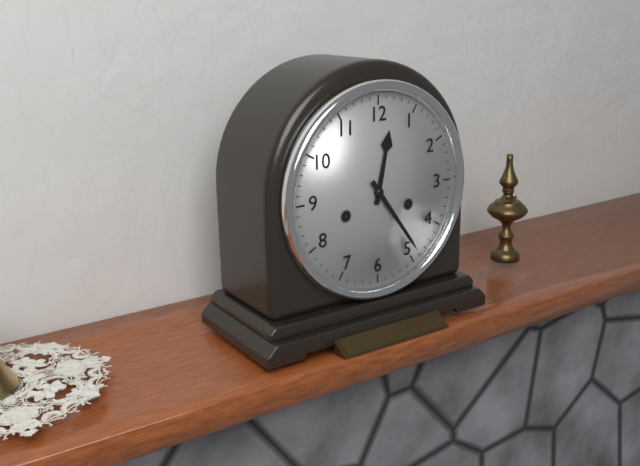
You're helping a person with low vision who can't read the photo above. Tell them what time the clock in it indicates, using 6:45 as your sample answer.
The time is 12:24
